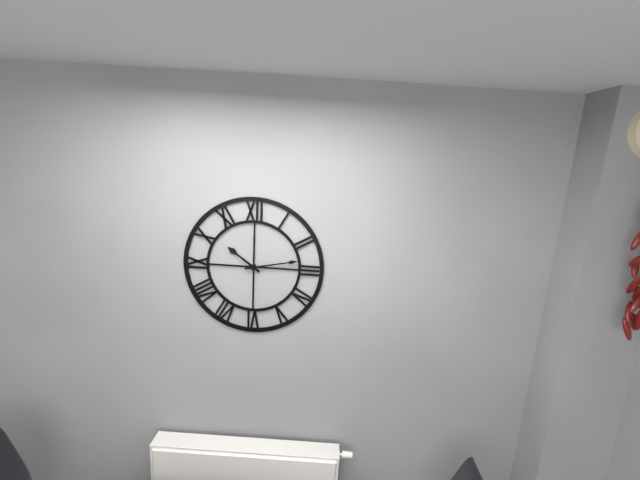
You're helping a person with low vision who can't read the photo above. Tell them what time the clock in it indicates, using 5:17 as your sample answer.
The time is 10:13
